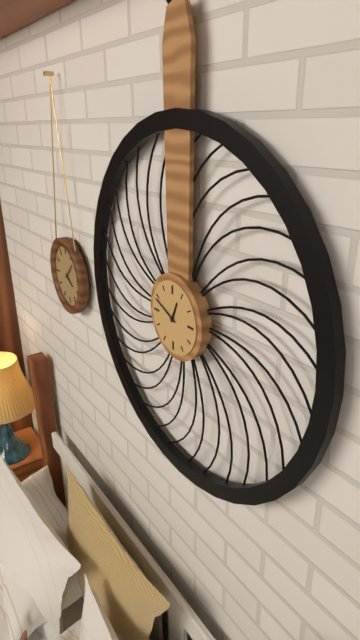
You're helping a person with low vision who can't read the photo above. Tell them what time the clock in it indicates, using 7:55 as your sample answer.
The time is 12:49
